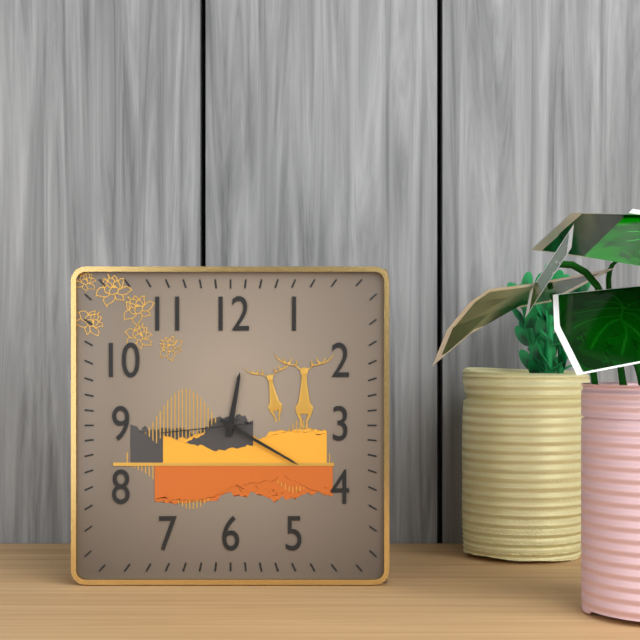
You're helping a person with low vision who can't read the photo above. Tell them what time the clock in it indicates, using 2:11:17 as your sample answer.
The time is 12:20:44
